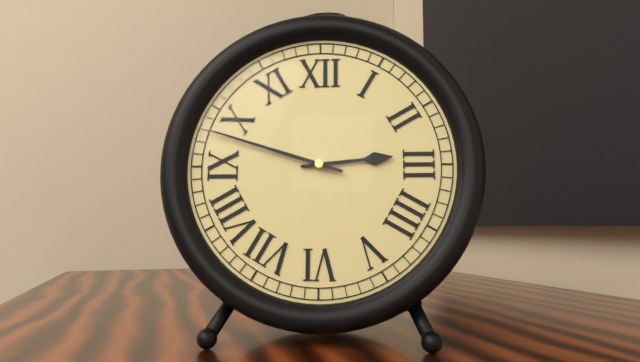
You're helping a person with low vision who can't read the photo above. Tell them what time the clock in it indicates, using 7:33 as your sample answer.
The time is 2:48
